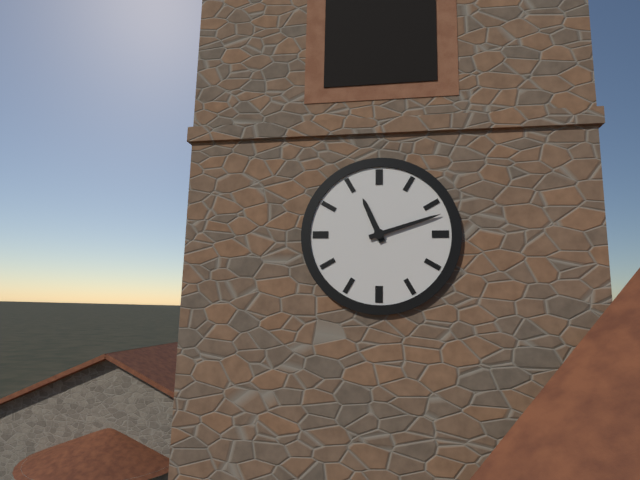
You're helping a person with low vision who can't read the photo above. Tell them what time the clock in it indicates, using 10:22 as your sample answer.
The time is 11:12
